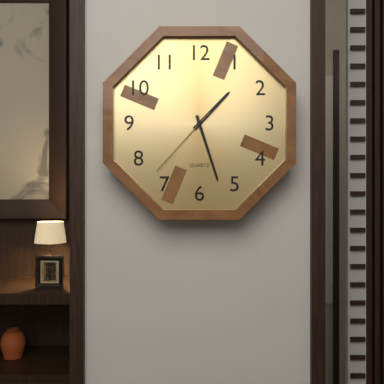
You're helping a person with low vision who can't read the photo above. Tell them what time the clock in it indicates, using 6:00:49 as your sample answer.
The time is 1:27:37
